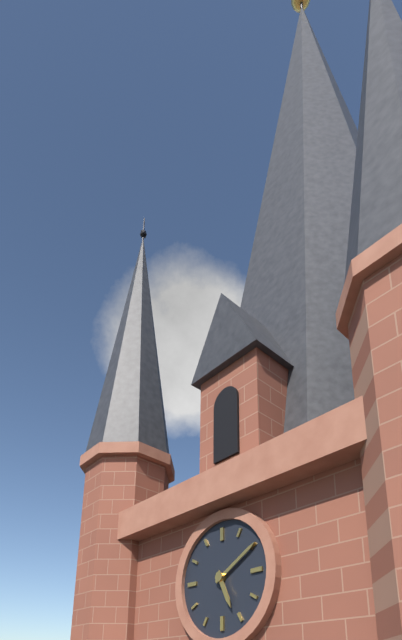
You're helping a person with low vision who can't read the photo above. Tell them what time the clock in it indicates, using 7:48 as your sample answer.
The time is 5:10
